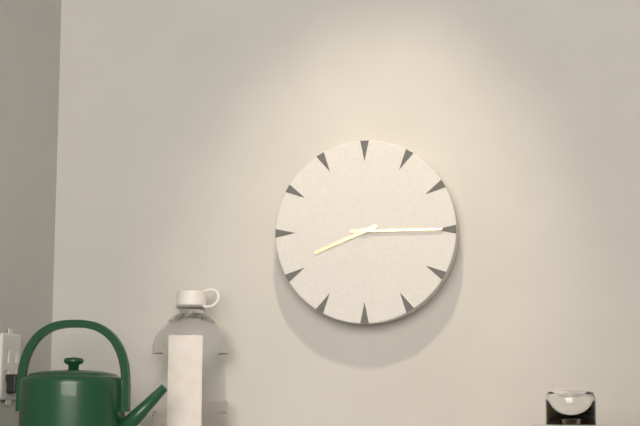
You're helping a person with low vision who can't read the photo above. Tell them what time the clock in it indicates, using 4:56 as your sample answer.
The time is 8:15
